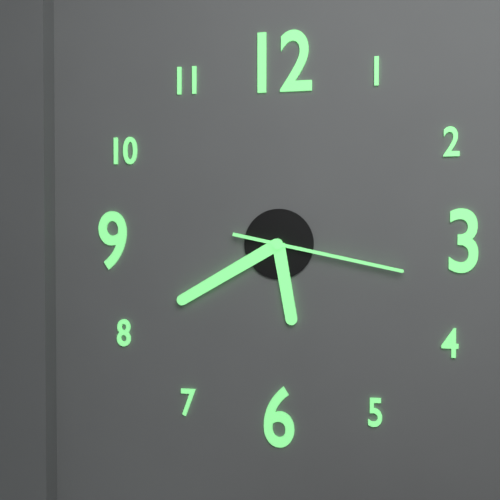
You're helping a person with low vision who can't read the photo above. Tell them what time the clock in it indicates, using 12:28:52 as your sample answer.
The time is 5:40:17
